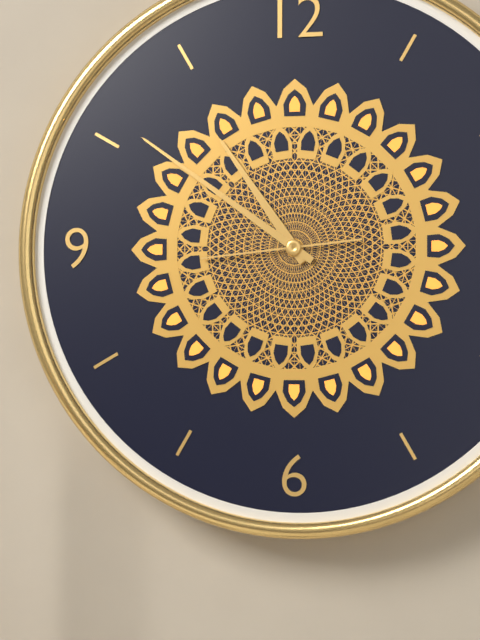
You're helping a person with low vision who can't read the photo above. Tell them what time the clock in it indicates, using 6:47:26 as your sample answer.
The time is 10:51:44
